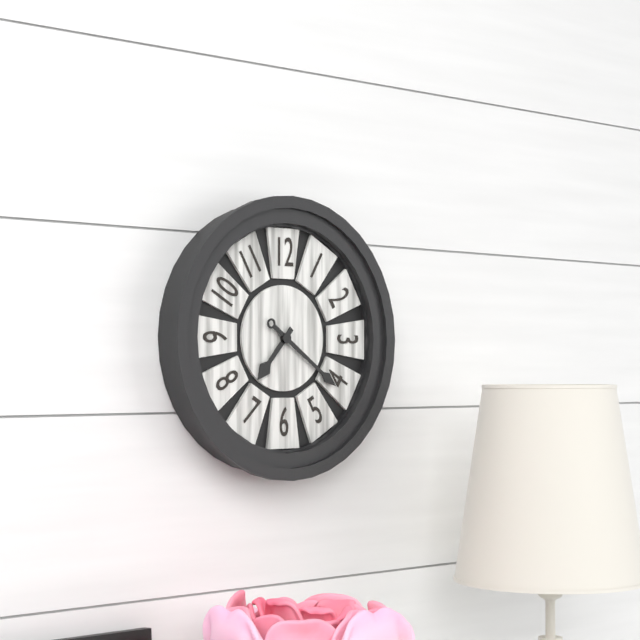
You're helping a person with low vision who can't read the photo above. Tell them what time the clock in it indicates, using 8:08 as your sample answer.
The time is 7:21
